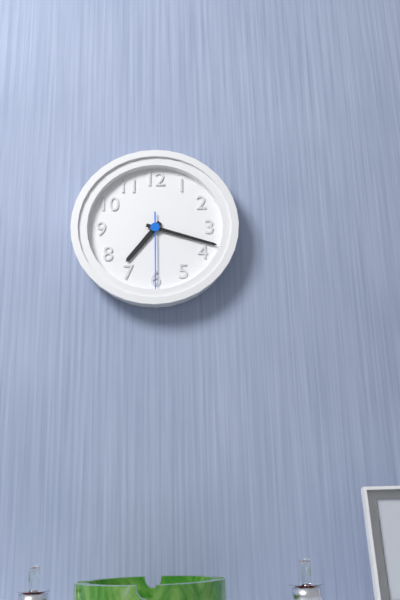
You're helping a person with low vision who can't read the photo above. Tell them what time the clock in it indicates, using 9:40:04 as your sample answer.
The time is 7:18:30
